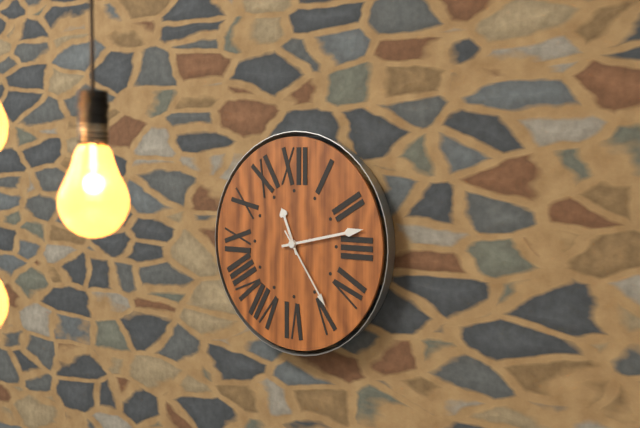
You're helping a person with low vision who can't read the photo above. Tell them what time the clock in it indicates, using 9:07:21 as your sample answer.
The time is 11:13:24
